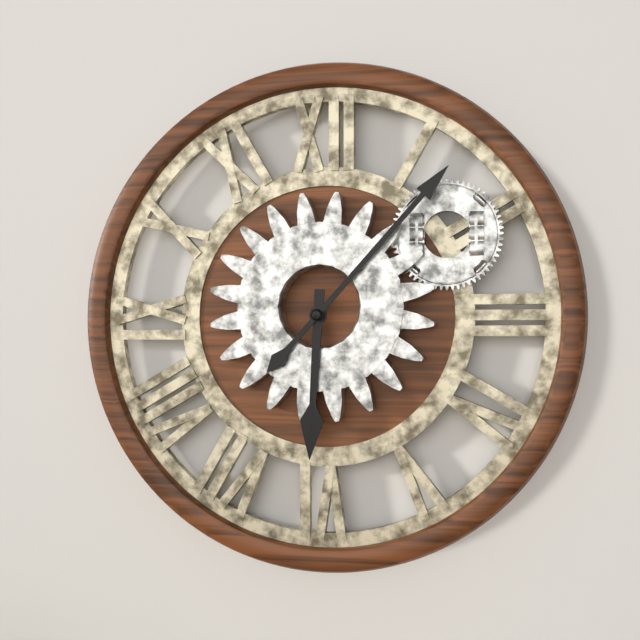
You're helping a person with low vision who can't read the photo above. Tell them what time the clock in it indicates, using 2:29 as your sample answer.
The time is 6:07
